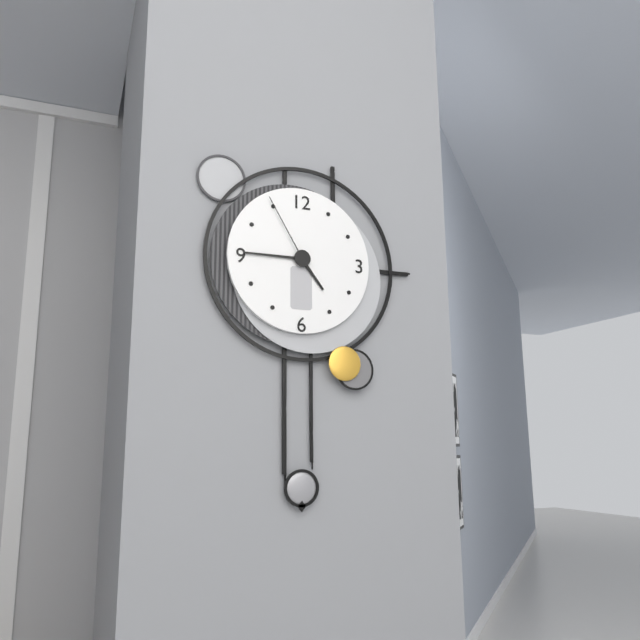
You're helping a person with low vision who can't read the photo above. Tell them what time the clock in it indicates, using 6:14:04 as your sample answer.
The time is 4:45:55
